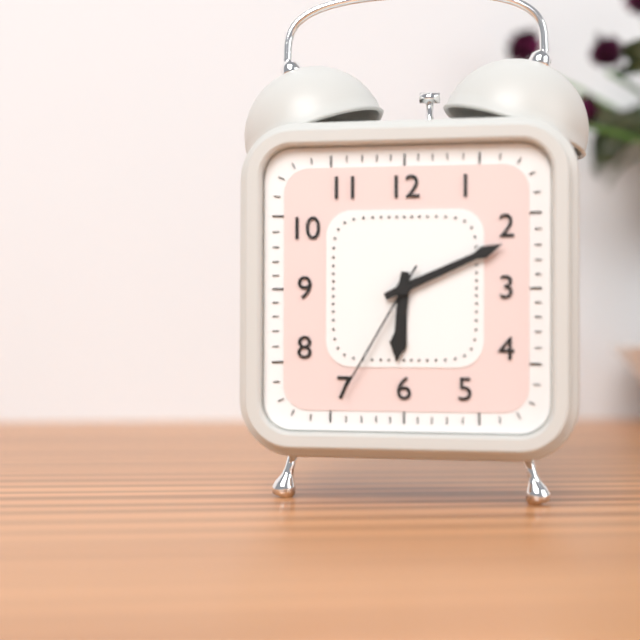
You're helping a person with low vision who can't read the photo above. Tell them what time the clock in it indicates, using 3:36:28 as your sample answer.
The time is 6:11:35
